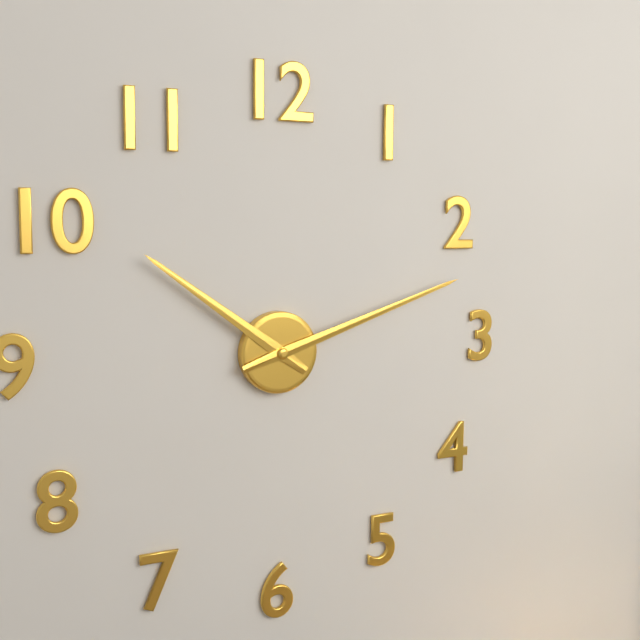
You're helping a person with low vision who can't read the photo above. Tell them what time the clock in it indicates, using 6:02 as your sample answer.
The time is 10:12
